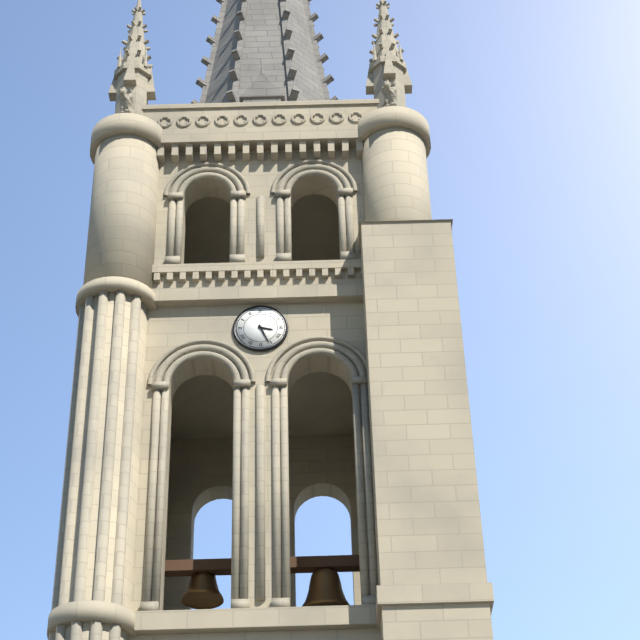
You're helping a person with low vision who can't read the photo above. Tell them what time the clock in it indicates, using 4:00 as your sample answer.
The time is 3:26
